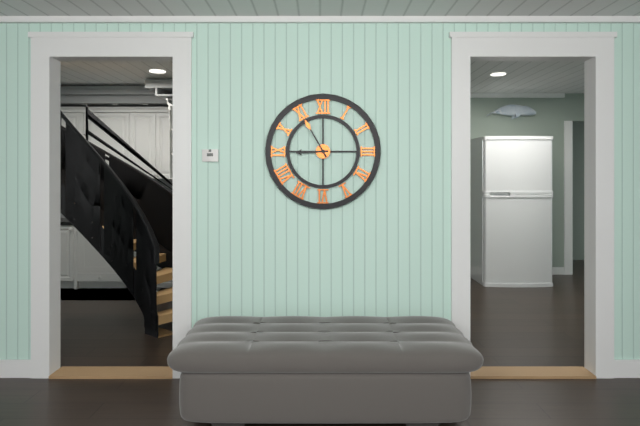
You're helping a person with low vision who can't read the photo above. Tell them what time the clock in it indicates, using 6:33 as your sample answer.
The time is 8:55
